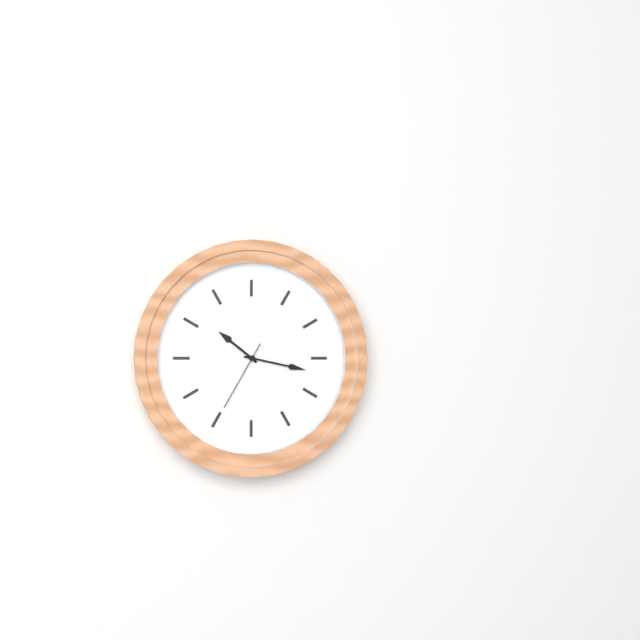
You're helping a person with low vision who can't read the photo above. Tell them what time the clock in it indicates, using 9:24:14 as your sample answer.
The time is 10:17:35
